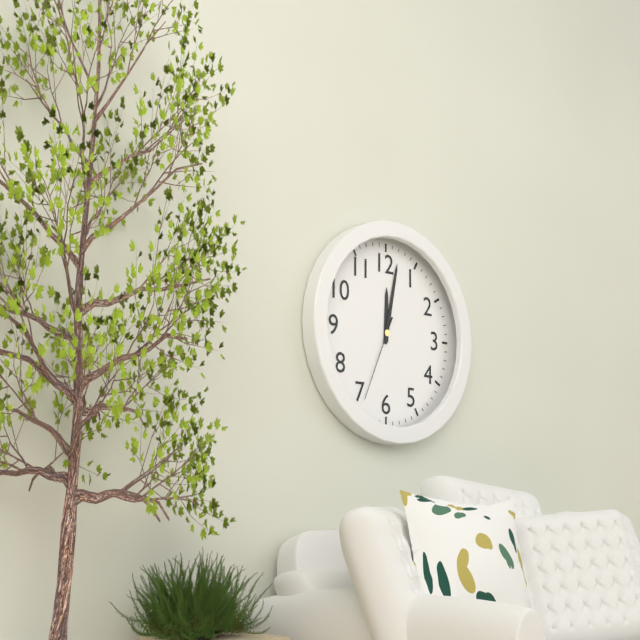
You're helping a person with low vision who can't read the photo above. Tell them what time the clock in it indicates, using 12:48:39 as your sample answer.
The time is 12:02:34
